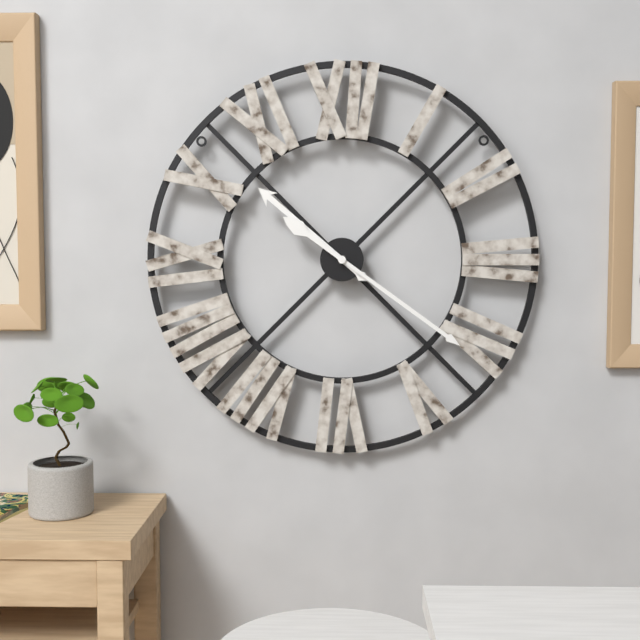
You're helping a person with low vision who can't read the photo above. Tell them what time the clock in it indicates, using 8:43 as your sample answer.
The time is 10:21
